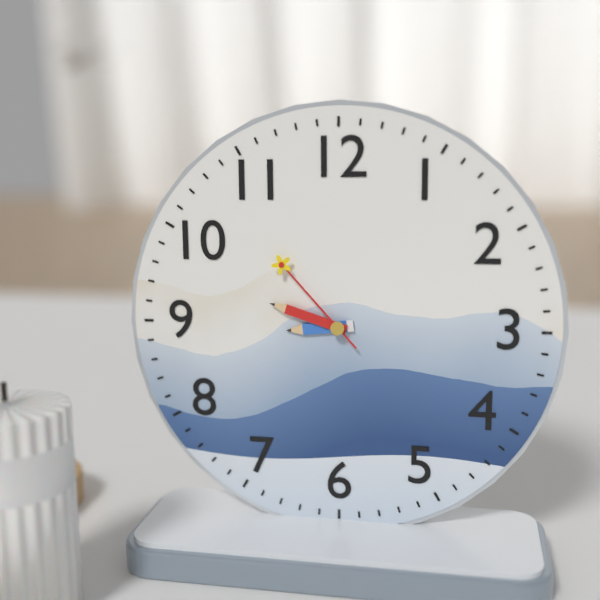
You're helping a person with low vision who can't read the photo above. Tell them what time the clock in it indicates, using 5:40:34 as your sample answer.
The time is 8:48:53
